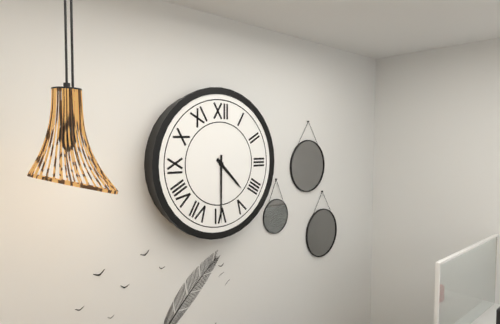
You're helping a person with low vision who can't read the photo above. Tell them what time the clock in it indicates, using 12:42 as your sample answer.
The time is 4:30
